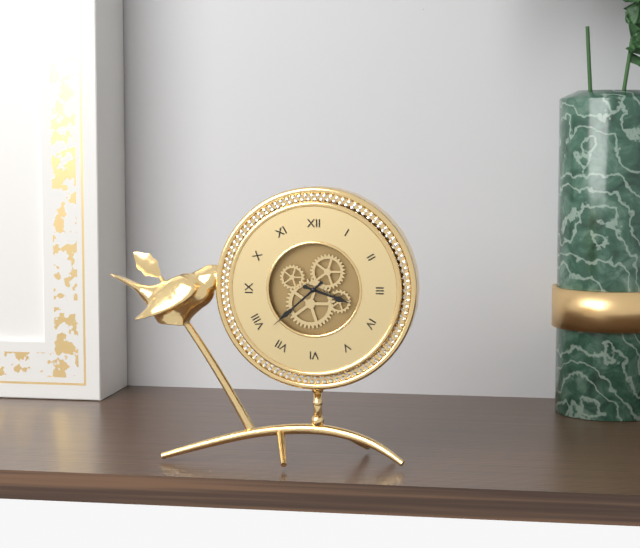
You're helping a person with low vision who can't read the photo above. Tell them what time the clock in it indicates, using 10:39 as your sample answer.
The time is 3:38
